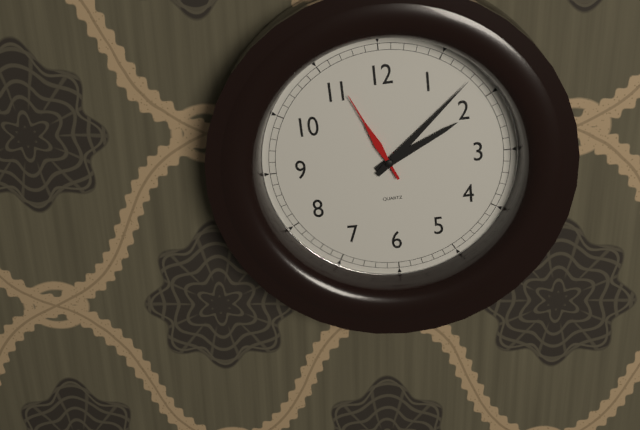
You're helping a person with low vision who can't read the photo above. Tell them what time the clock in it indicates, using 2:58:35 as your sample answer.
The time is 2:08:56
